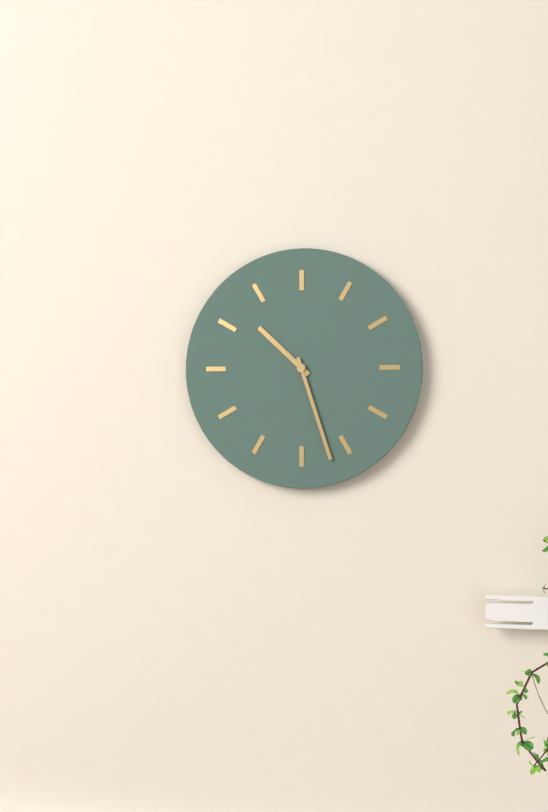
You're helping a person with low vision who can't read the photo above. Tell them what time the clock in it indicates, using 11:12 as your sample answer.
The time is 10:27
